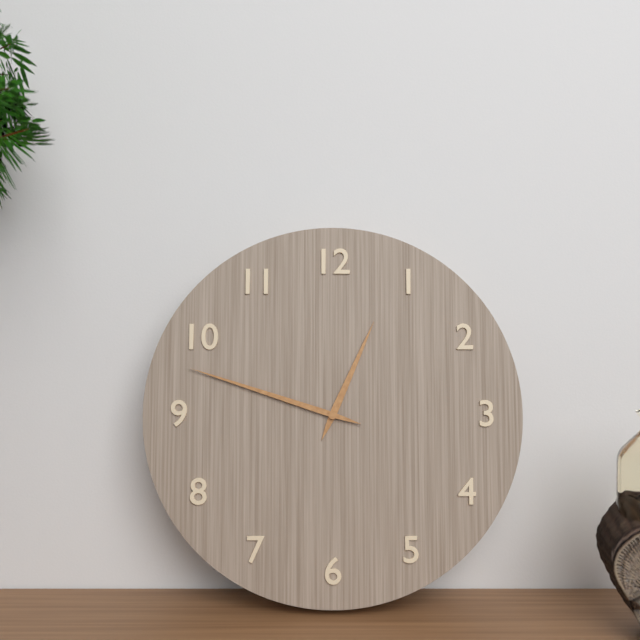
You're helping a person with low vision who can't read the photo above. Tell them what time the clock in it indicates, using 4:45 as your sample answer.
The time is 12:48
